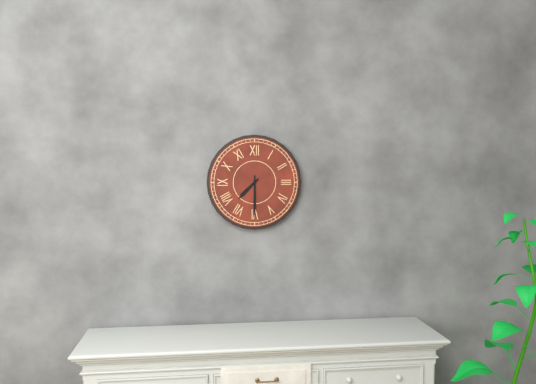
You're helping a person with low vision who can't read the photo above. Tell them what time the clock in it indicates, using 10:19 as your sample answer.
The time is 7:30
